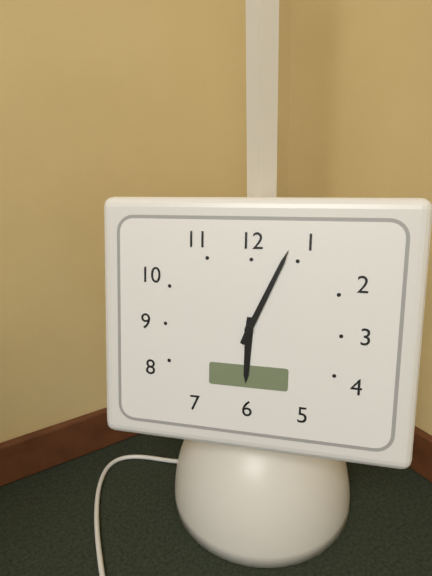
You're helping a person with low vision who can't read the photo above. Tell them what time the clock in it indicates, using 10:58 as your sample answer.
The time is 6:04
